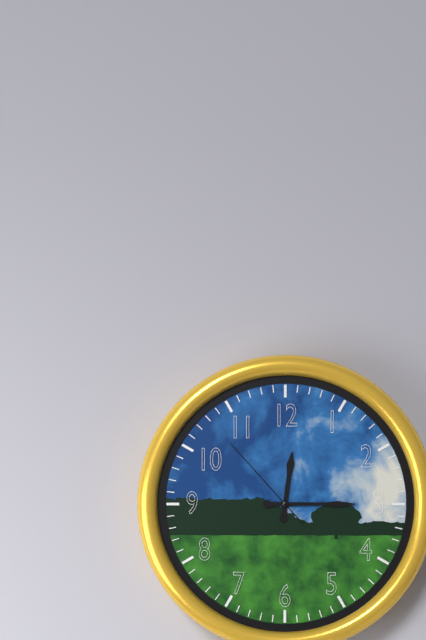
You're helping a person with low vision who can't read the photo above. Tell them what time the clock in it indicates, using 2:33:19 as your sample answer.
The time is 12:15:53
